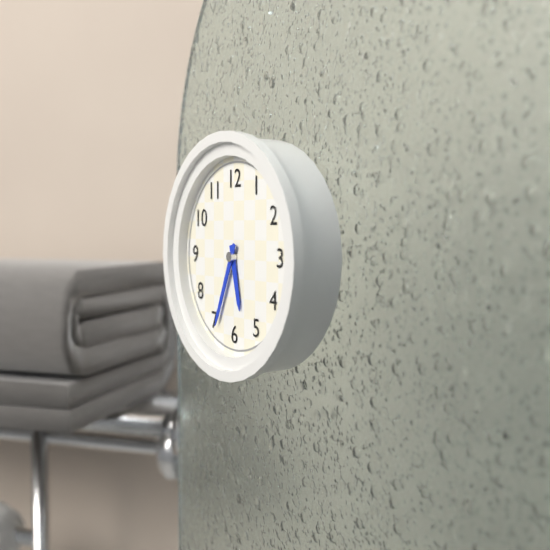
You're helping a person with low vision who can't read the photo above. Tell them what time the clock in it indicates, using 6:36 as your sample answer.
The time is 5:34
